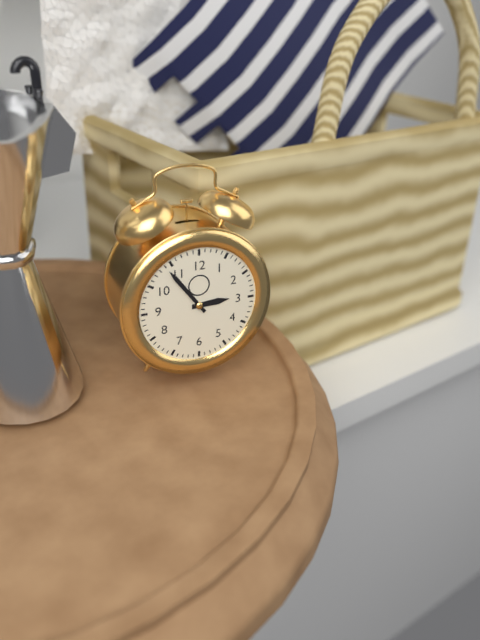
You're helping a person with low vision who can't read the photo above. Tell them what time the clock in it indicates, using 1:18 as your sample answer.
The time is 2:54
